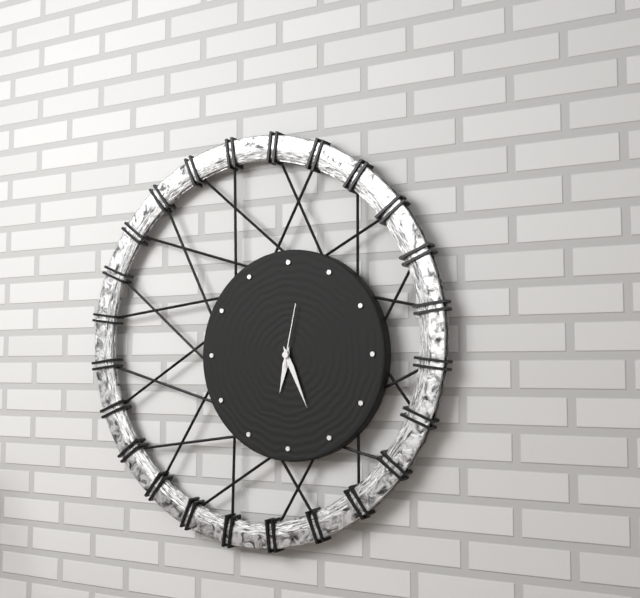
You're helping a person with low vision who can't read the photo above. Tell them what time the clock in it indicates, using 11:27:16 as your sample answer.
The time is 6:26:02
